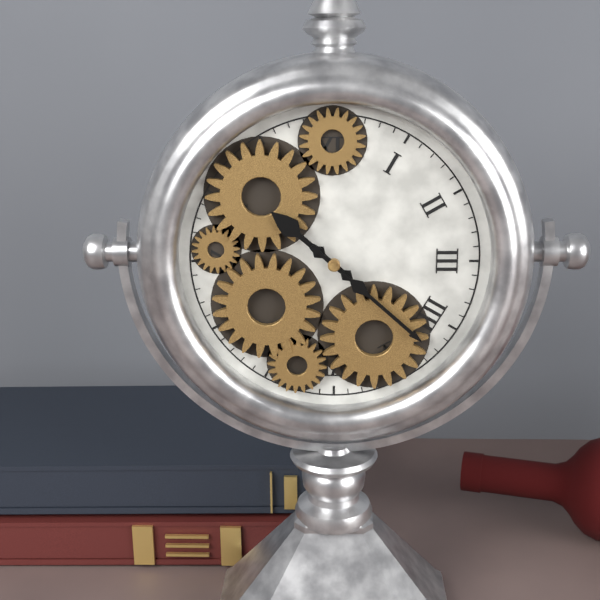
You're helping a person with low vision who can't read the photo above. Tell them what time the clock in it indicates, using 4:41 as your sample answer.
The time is 10:22
